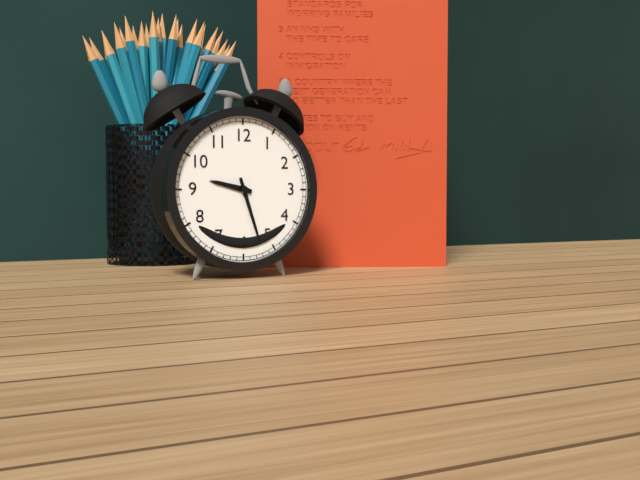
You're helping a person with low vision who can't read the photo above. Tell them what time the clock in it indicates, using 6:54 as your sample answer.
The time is 9:27
